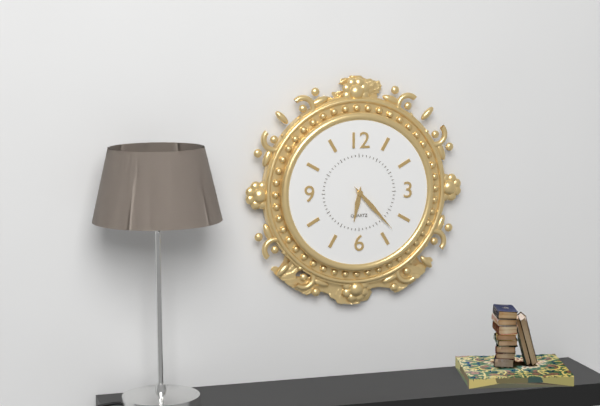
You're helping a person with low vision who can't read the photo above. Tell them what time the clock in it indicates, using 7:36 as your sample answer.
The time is 6:23
